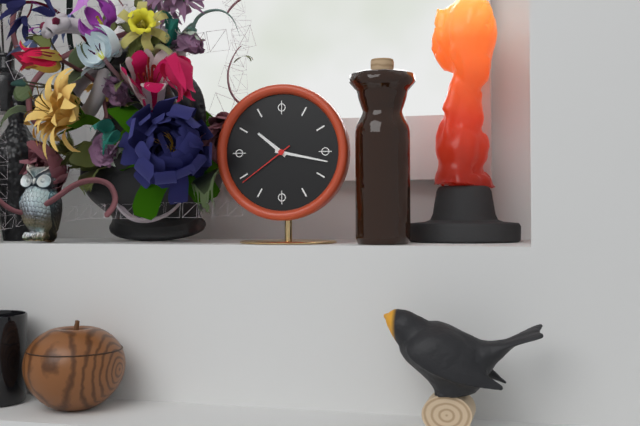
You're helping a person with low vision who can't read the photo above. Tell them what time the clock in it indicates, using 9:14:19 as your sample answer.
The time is 10:17:39
